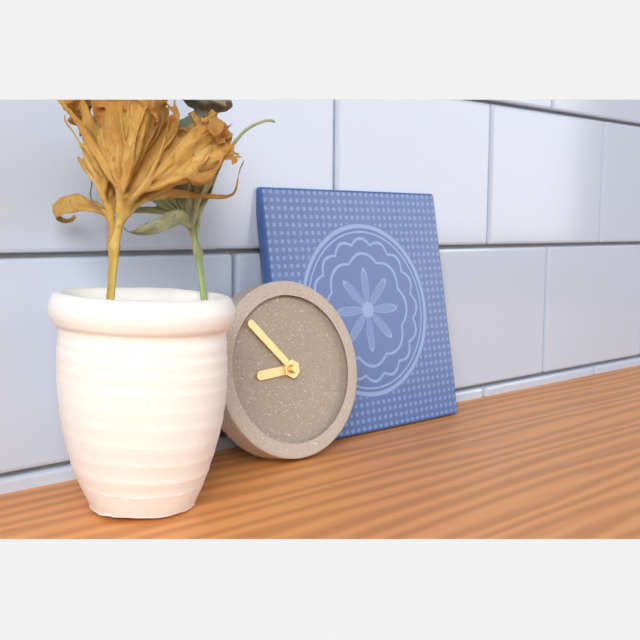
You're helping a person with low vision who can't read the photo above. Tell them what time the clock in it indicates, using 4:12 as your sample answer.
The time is 8:53
